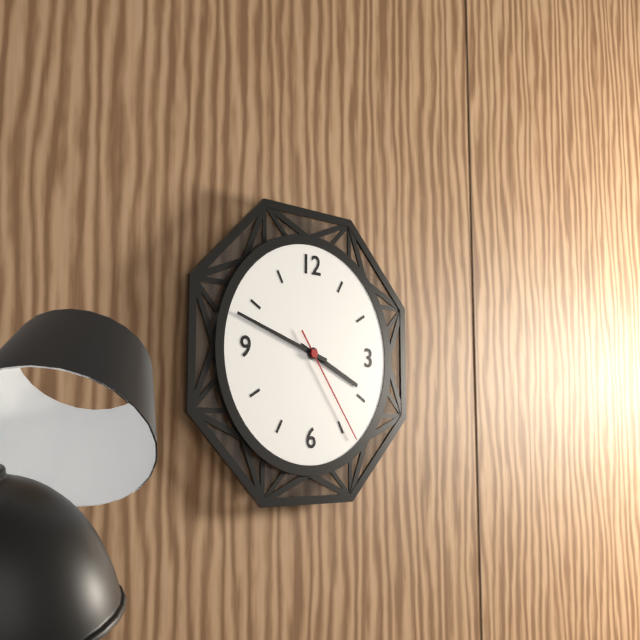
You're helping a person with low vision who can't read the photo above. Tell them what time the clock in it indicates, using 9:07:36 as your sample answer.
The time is 3:48:24
